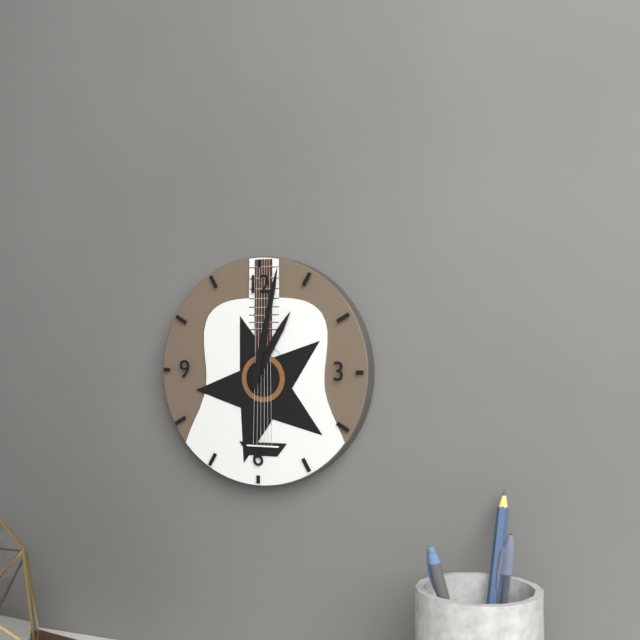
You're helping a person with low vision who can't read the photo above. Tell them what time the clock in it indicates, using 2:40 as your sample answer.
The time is 1:02
